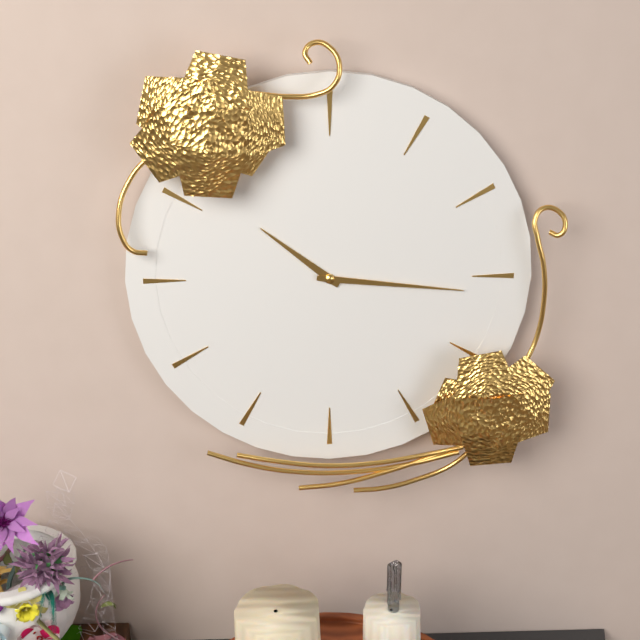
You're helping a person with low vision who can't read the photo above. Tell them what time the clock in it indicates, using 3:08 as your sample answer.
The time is 10:16
